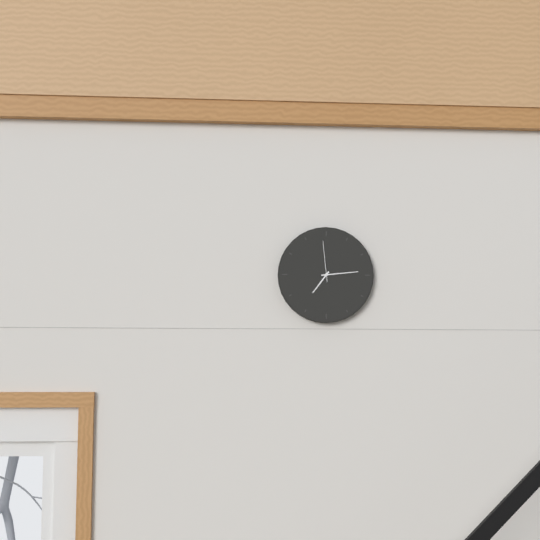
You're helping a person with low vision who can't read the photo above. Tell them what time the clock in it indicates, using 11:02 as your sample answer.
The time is 7:14
